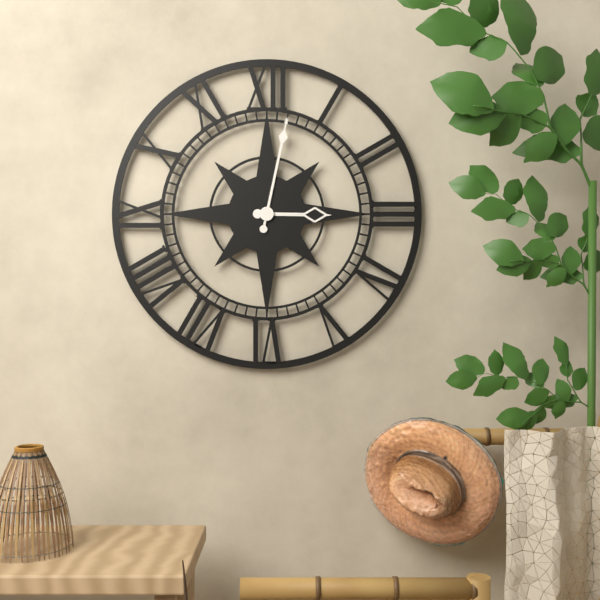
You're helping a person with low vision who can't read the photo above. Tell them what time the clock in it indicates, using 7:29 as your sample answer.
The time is 3:02
